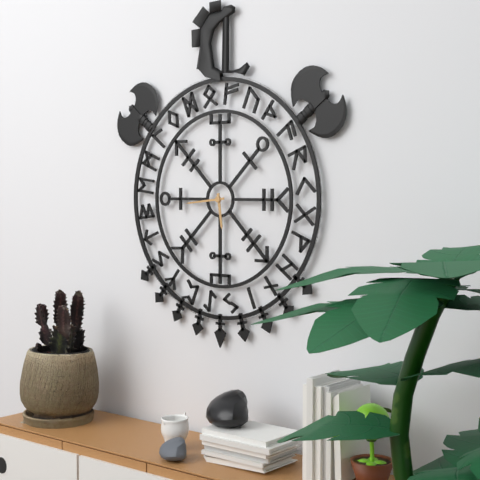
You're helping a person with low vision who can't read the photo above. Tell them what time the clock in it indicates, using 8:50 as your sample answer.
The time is 5:44
